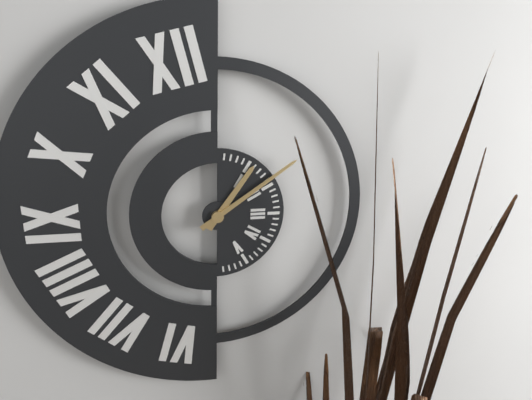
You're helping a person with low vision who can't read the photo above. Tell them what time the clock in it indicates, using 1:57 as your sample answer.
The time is 1:09
